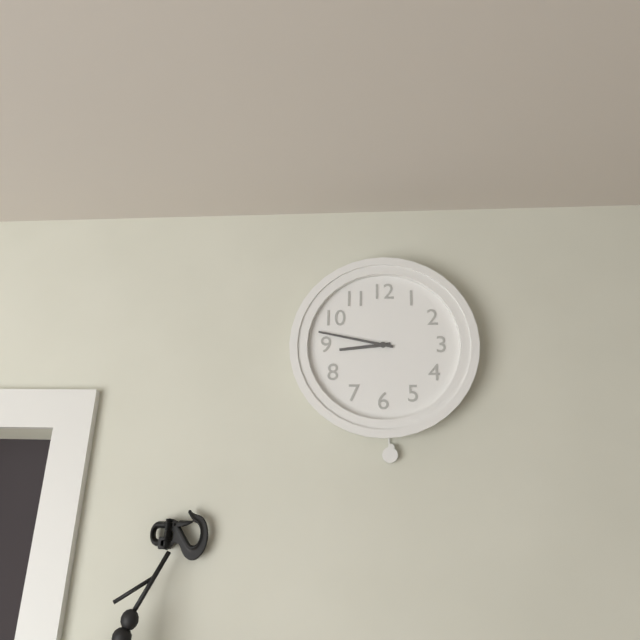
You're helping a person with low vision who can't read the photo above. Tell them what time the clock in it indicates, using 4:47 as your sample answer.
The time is 8:47
